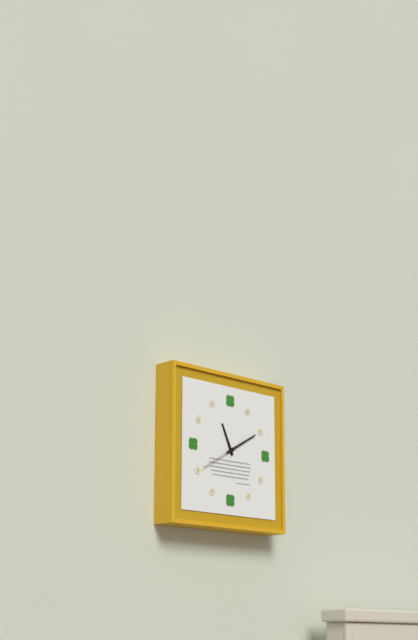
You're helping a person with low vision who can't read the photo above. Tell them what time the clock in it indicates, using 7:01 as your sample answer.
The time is 11:10
